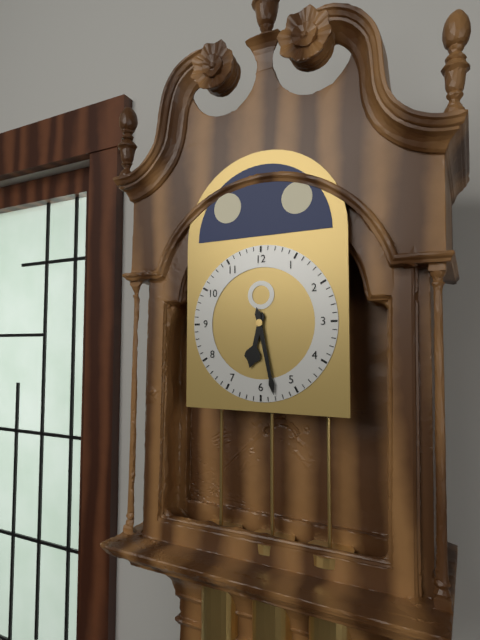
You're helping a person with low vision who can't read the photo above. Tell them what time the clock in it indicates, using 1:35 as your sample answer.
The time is 6:28
